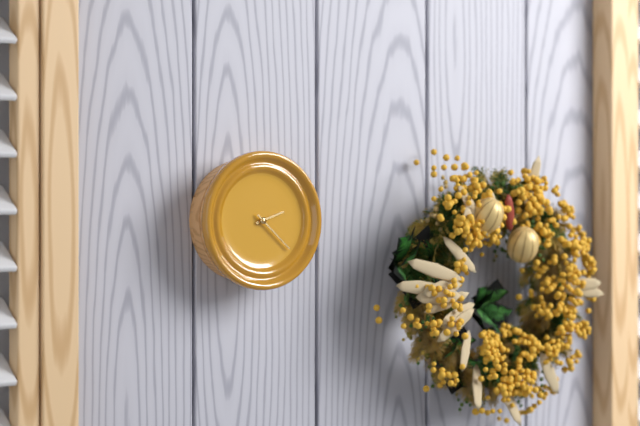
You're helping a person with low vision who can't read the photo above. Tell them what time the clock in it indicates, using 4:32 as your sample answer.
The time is 2:22
